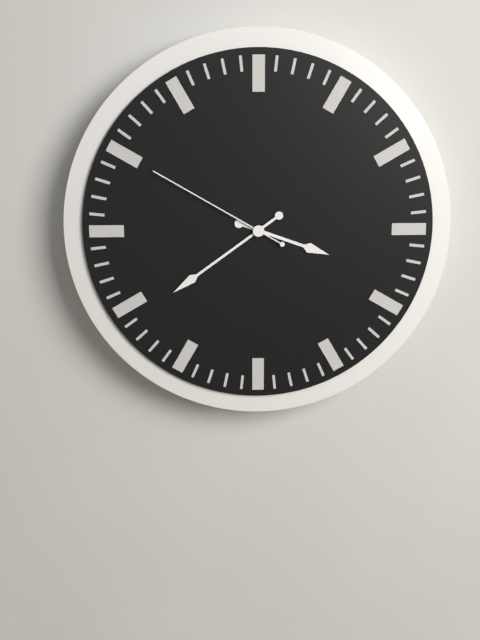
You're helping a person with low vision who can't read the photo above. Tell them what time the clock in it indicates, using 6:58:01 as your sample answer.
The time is 3:39:50
